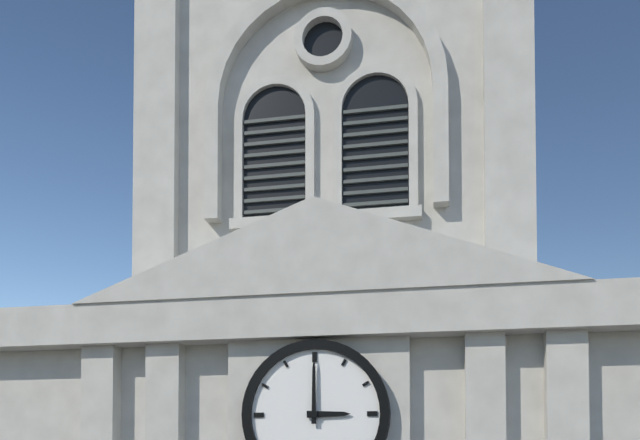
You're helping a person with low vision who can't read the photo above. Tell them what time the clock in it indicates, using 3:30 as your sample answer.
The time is 3:00
